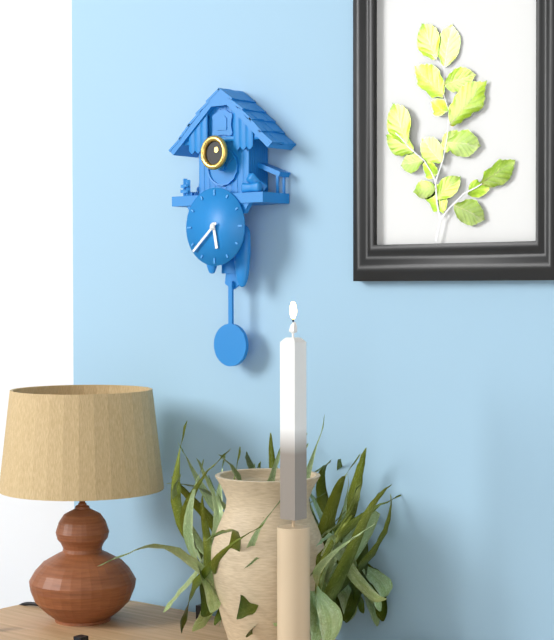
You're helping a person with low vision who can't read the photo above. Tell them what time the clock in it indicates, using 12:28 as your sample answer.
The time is 5:38
